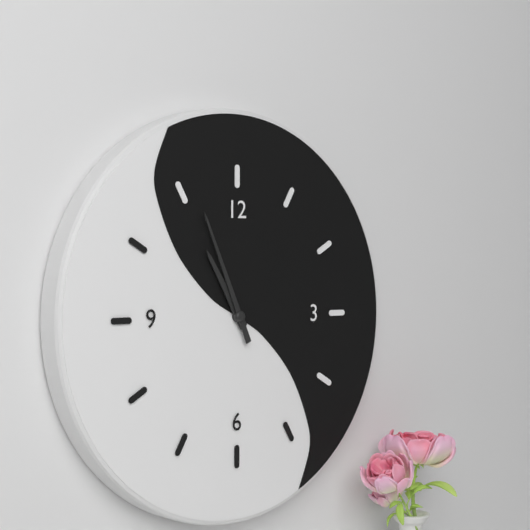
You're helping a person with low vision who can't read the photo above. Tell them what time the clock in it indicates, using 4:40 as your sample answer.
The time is 10:56
